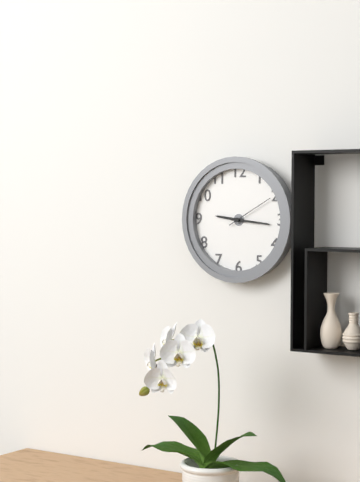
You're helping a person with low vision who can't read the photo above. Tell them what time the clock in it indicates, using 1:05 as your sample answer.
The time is 9:16
